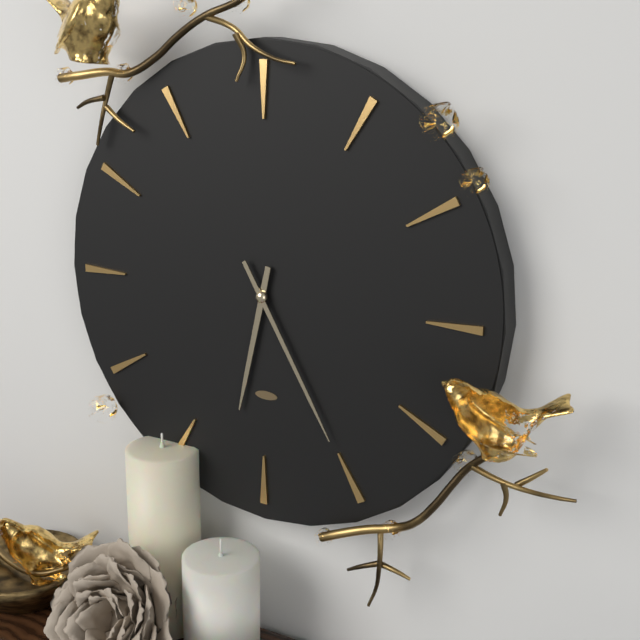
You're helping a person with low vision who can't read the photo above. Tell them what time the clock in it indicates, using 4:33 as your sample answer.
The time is 6:25
